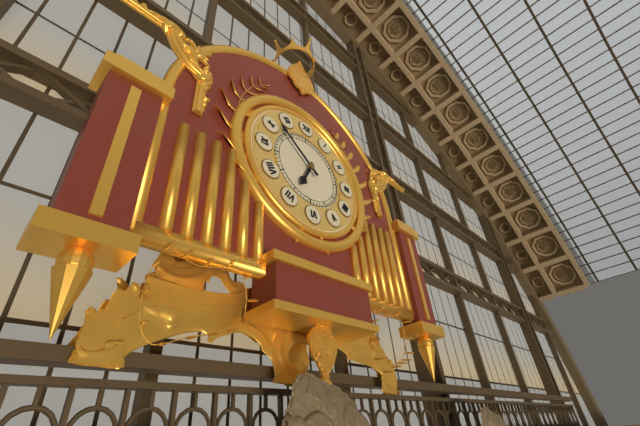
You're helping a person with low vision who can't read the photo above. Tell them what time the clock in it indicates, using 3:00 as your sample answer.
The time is 6:52
